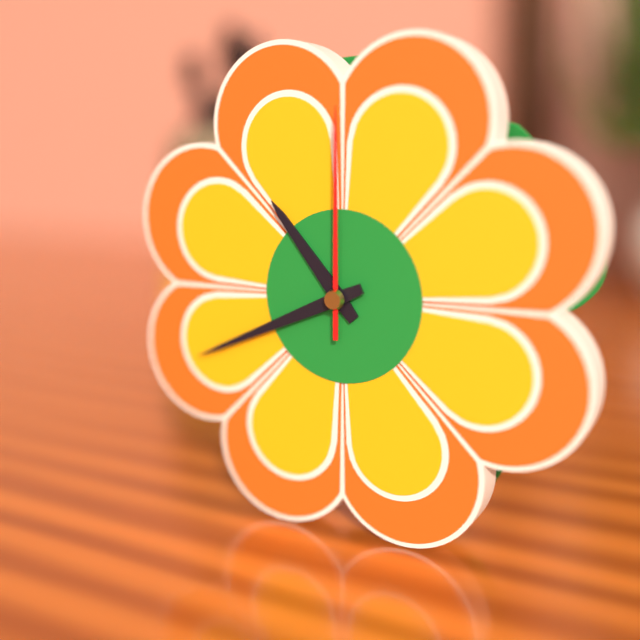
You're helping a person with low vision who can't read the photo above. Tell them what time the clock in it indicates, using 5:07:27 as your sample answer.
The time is 10:41:00
